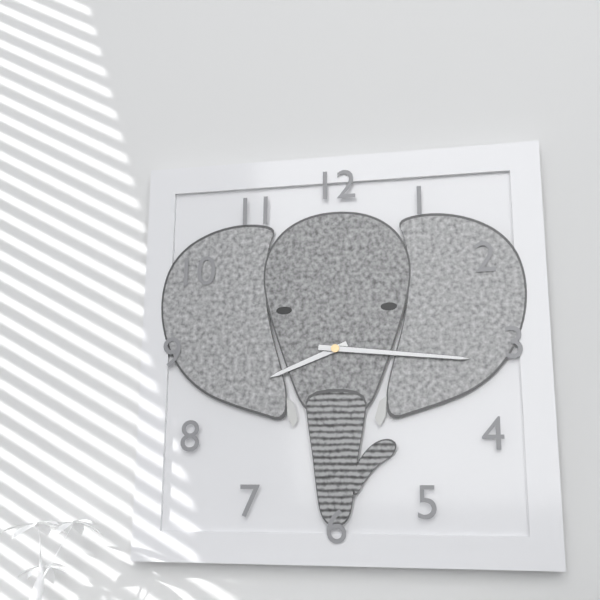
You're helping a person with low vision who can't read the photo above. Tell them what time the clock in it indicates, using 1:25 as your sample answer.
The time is 8:16
